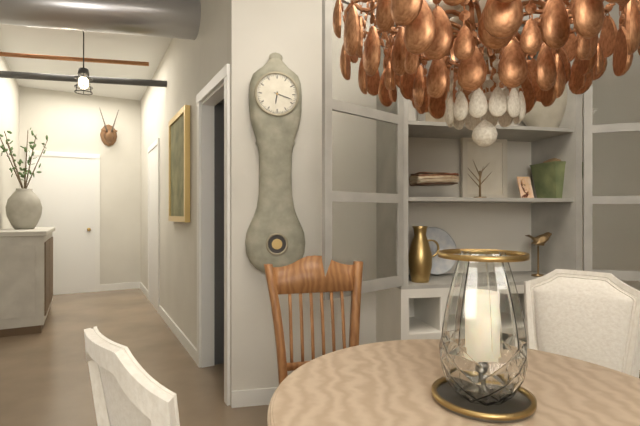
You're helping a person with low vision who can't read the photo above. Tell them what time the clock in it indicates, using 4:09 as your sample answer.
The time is 6:18
